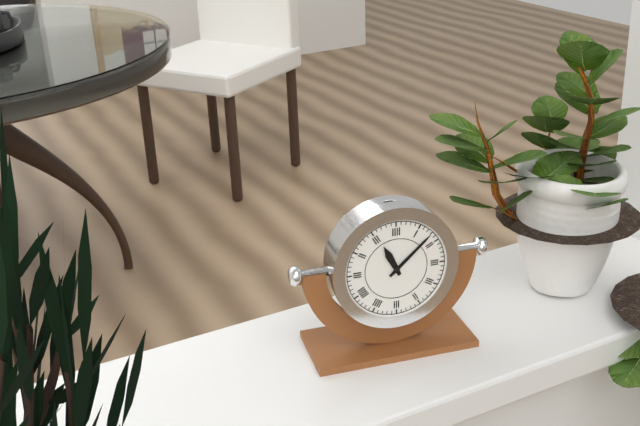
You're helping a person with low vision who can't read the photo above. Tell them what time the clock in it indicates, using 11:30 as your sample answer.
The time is 11:08
